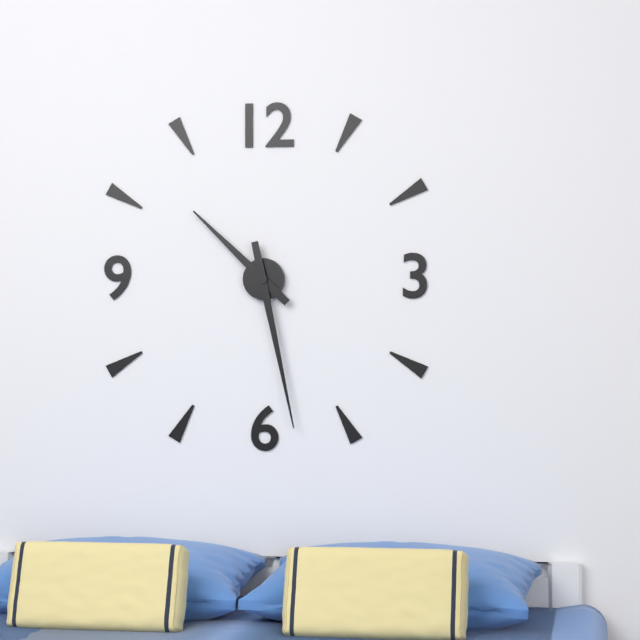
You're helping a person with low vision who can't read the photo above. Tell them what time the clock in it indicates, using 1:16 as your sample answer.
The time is 10:28
